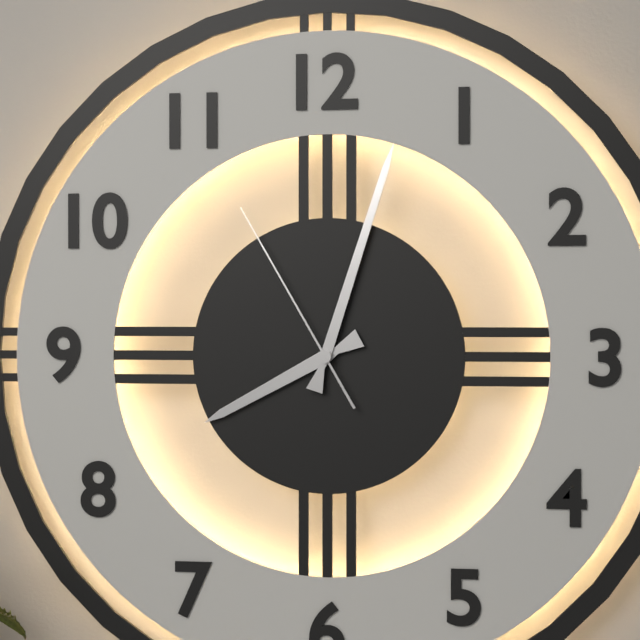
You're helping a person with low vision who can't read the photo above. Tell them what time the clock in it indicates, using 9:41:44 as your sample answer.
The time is 8:03:55
